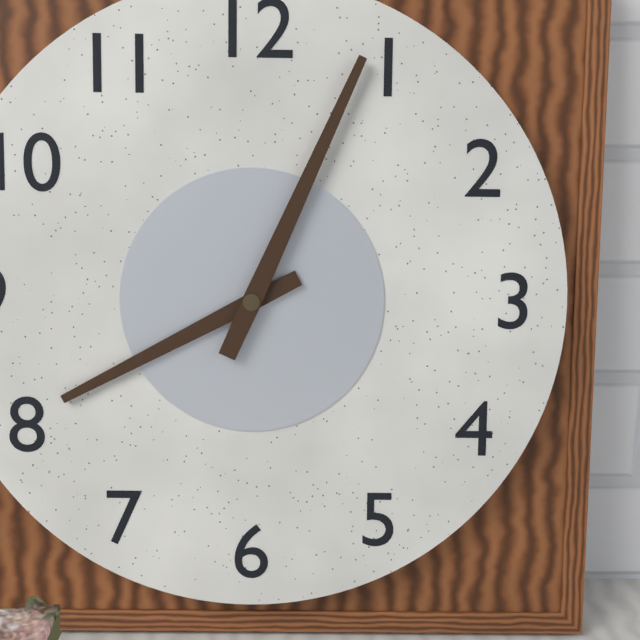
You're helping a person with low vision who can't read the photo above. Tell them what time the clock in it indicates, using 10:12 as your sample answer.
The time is 8:04
